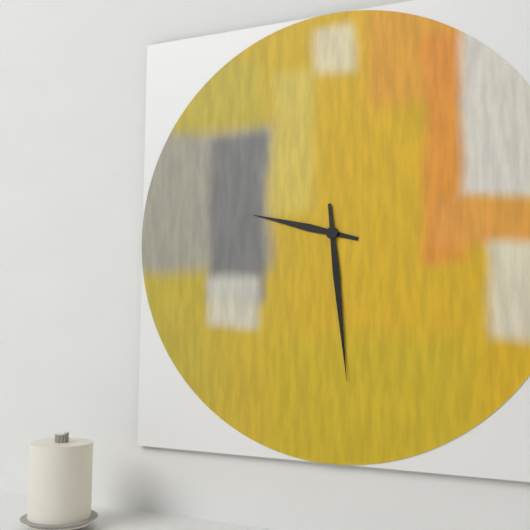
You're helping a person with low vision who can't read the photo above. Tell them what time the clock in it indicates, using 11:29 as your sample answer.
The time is 9:29
